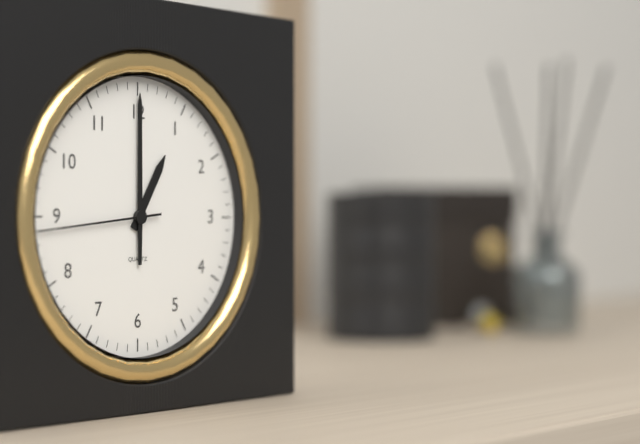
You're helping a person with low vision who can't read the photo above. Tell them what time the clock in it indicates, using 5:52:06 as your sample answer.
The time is 1:00:44
